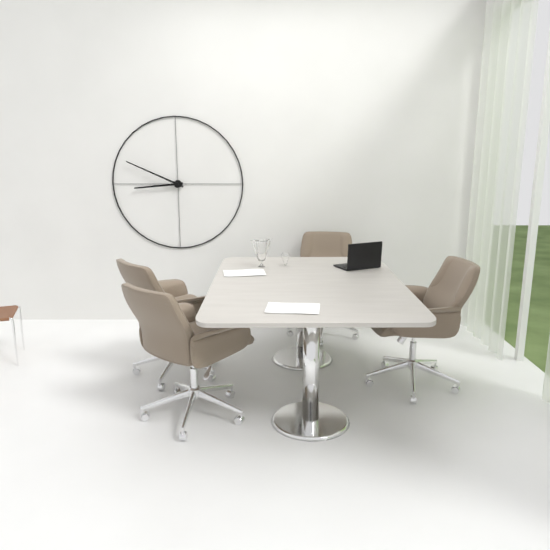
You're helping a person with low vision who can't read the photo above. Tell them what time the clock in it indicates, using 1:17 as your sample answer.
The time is 8:49
